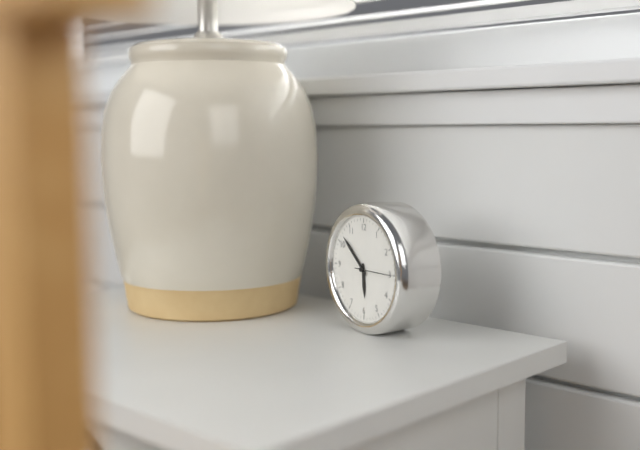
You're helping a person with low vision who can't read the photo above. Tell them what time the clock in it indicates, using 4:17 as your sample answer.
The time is 5:52
